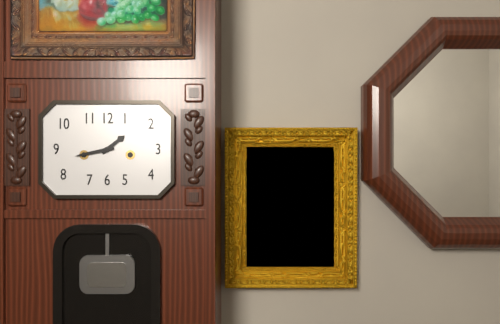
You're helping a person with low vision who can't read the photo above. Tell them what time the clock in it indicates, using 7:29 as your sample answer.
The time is 1:43
